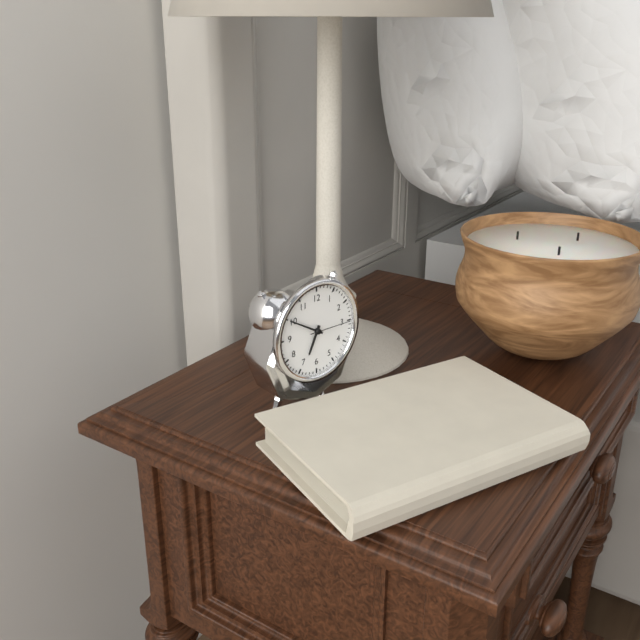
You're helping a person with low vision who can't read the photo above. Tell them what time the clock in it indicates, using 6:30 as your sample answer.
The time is 6:50
